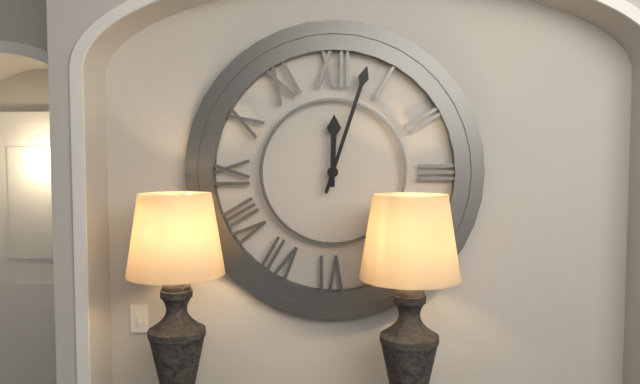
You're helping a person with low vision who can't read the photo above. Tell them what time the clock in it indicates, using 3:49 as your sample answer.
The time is 12:03
